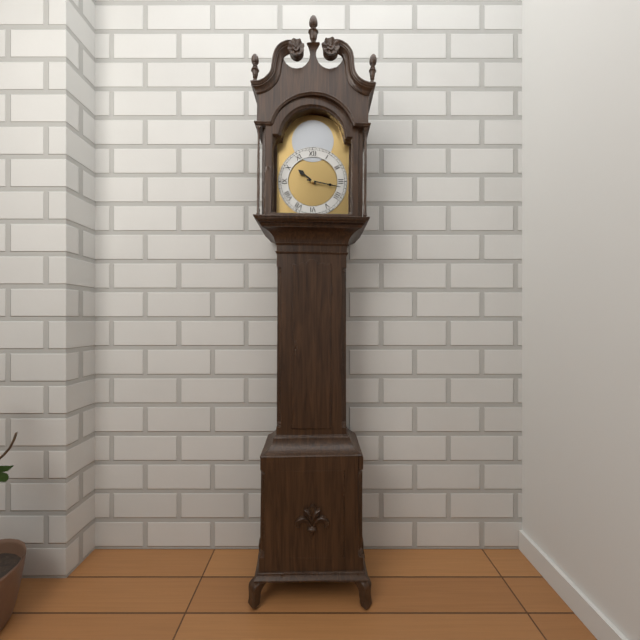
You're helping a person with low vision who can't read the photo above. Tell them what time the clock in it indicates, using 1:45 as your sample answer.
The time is 10:17
